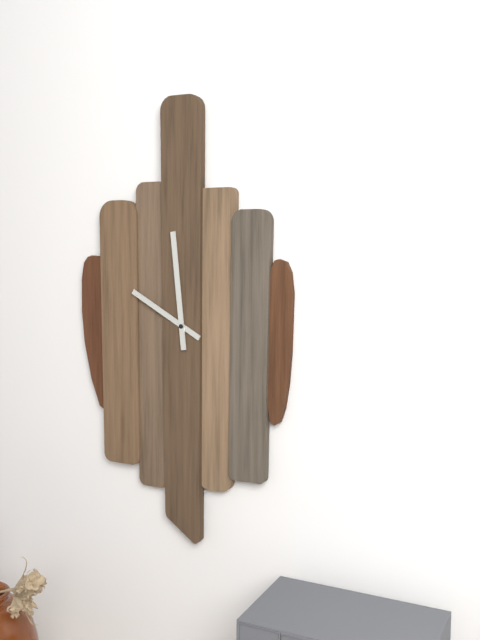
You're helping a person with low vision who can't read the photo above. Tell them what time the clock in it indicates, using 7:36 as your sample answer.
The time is 9:59
